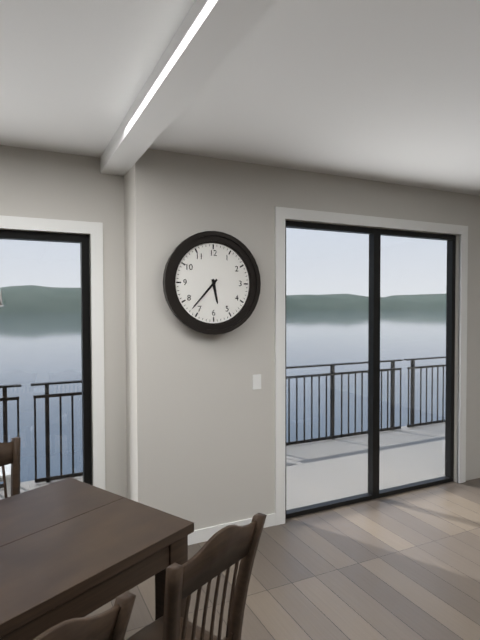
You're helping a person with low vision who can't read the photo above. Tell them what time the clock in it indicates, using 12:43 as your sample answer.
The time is 5:37
